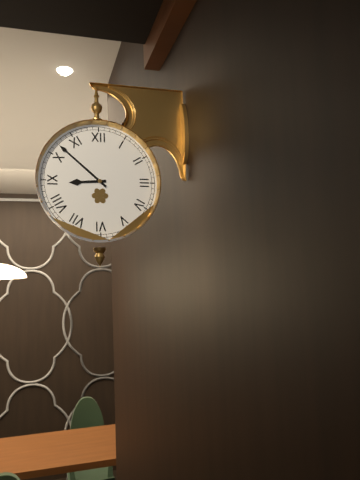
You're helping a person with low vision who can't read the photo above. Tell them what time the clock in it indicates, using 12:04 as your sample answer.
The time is 8:52
